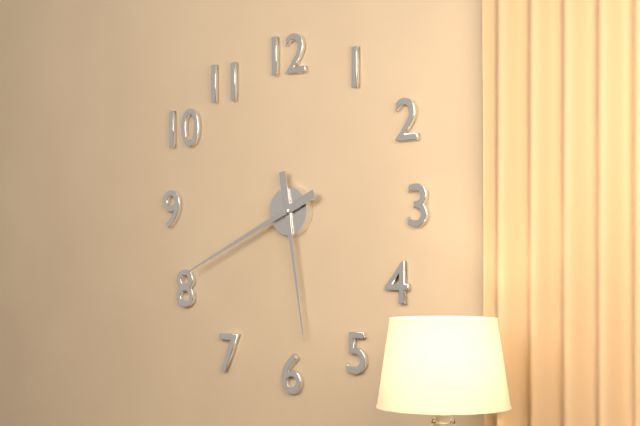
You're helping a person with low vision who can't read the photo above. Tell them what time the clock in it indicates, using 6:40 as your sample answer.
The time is 5:41
